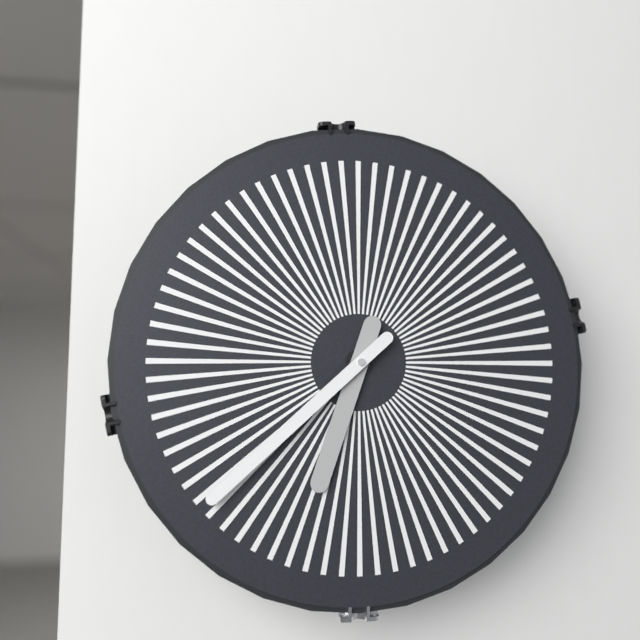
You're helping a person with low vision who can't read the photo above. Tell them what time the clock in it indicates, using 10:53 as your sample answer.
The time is 6:38
